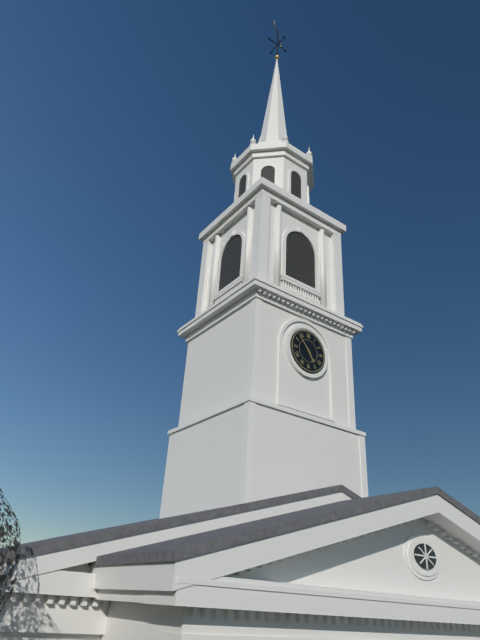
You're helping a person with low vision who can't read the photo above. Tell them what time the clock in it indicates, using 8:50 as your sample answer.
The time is 4:53
